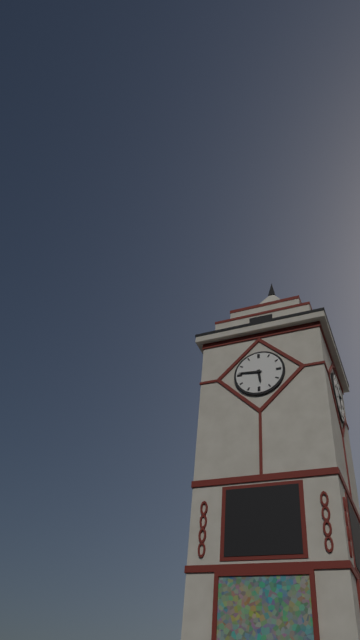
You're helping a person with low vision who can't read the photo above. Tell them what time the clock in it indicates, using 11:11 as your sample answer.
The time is 5:46
